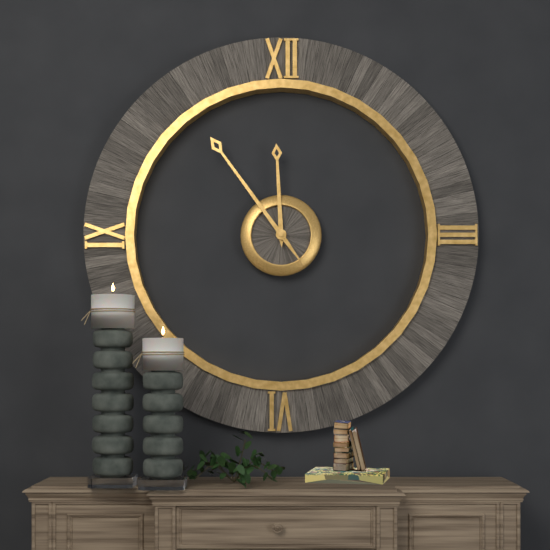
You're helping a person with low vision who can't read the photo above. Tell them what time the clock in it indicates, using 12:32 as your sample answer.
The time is 11:54
